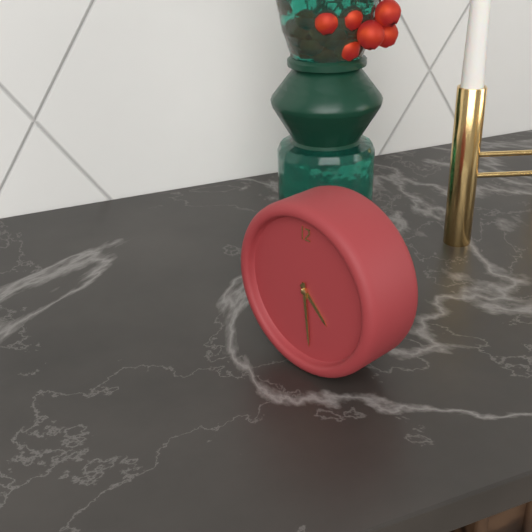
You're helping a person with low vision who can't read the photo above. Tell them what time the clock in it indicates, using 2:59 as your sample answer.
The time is 4:29
